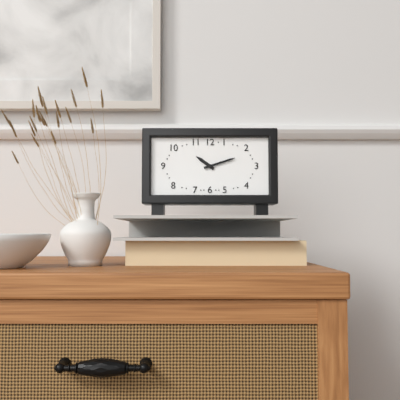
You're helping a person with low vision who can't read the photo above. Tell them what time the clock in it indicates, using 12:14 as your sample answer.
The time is 10:12
